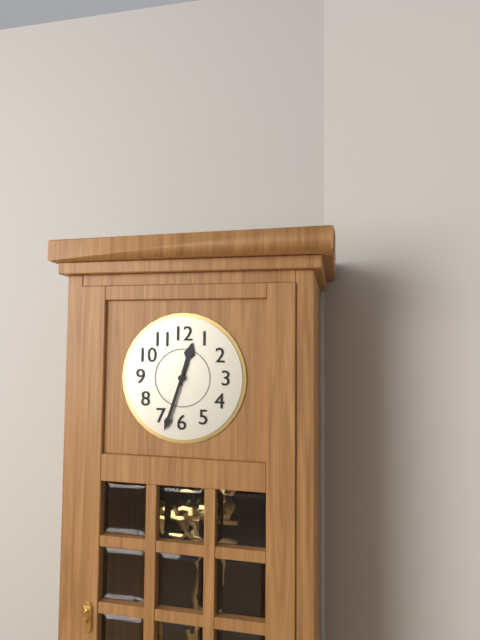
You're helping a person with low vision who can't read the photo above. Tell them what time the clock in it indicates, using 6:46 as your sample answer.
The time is 12:33
